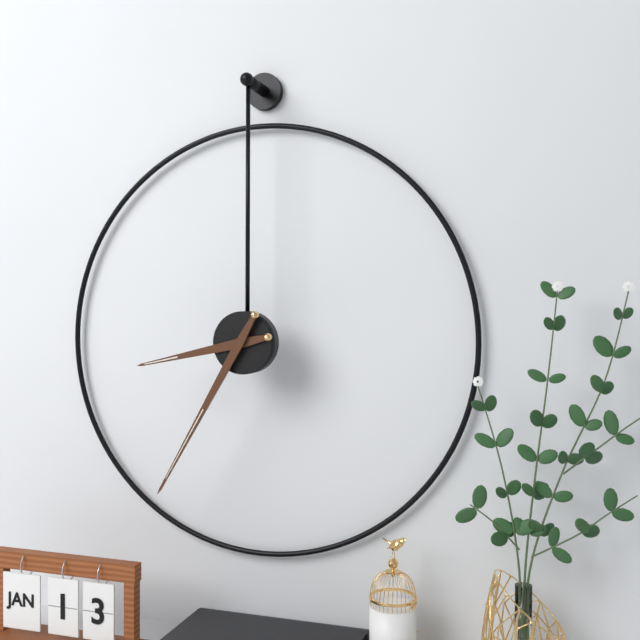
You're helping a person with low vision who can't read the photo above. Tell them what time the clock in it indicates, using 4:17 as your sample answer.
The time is 8:35
